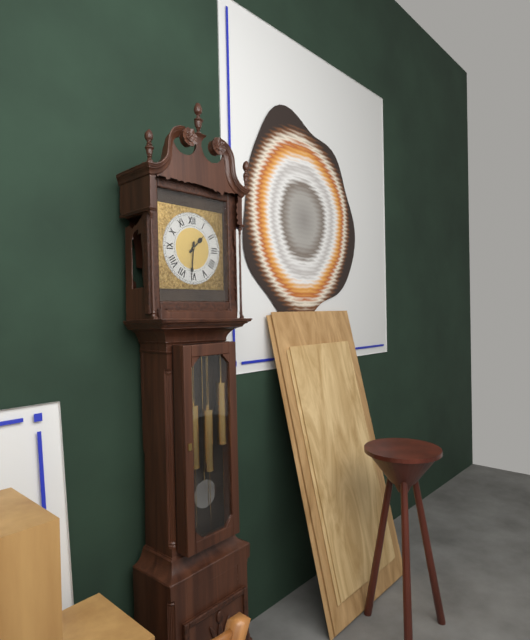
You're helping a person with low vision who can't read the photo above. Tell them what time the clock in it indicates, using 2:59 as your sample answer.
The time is 1:31
